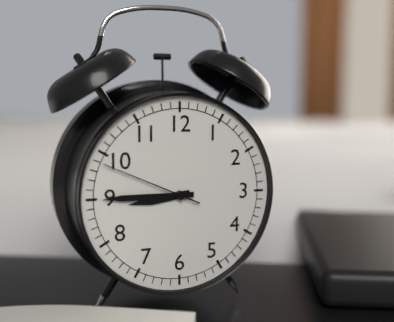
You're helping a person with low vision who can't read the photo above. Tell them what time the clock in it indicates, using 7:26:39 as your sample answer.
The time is 8:45:49
